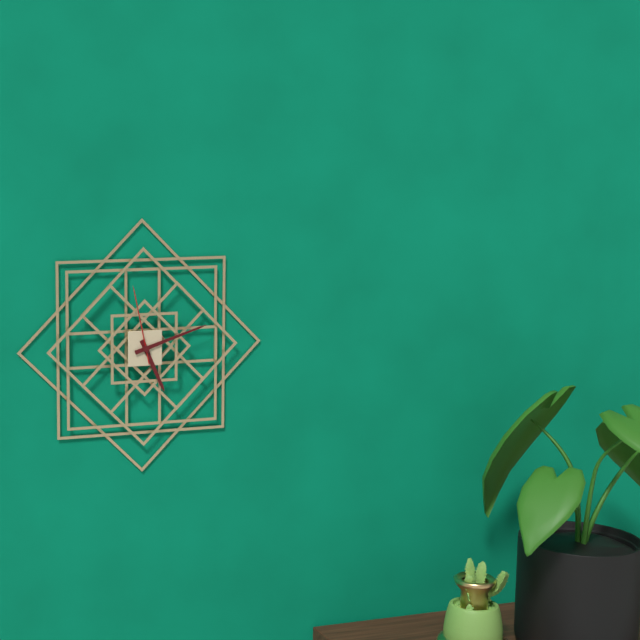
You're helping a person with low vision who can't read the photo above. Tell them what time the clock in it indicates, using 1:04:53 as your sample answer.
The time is 5:12:58
